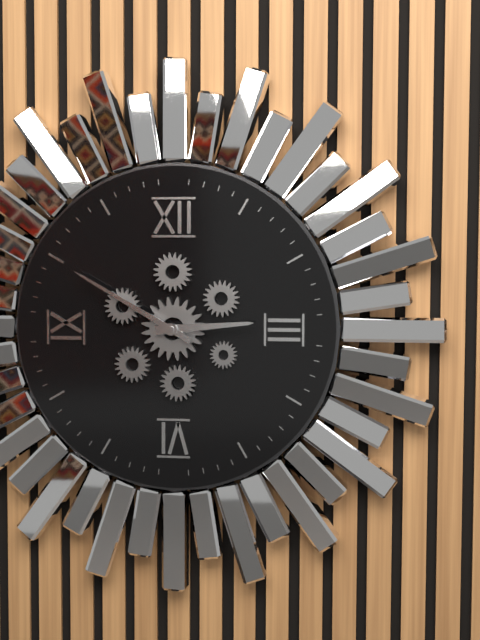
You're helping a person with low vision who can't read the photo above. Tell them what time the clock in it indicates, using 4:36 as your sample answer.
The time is 2:50
